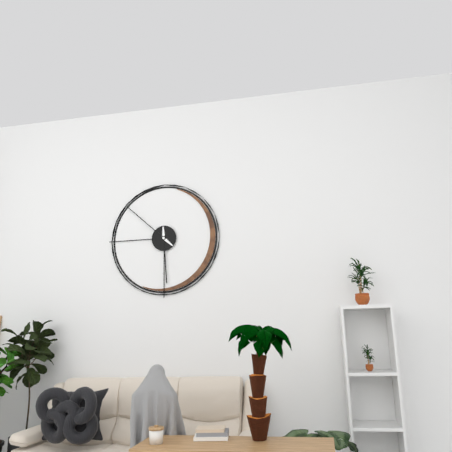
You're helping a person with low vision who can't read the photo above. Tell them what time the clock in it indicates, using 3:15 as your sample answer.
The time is 5:52
